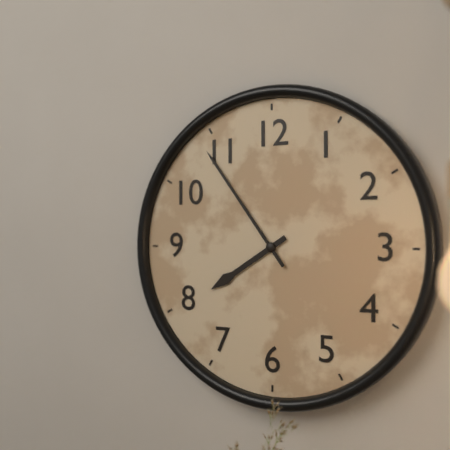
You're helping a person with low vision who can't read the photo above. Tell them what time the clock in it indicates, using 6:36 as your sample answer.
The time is 7:54
